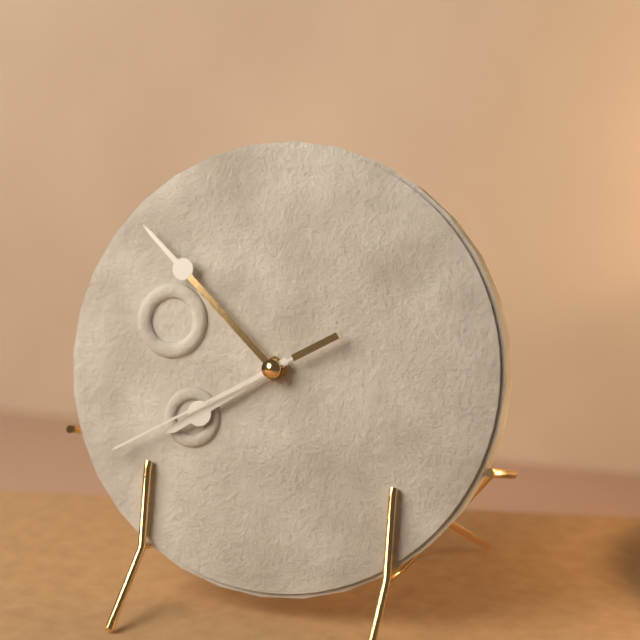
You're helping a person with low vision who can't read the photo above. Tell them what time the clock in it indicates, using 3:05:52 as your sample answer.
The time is 7:52:40
